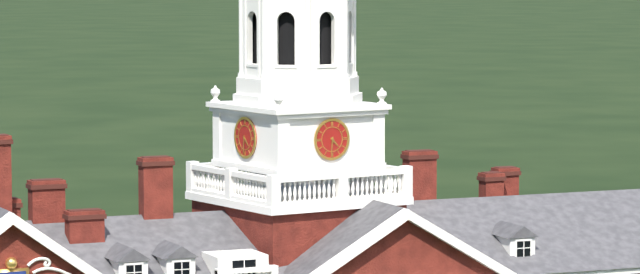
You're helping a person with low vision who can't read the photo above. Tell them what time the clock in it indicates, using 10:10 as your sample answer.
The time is 4:31
